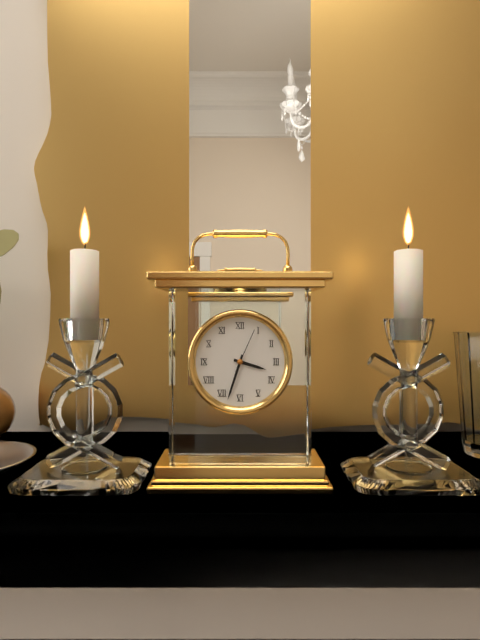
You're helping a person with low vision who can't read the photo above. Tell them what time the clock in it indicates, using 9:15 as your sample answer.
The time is 3:33
